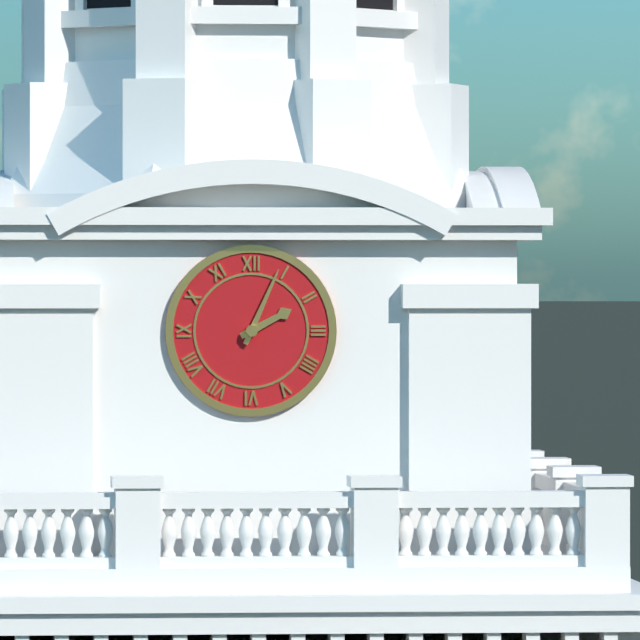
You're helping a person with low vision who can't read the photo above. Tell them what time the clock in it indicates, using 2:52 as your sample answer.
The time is 2:04
